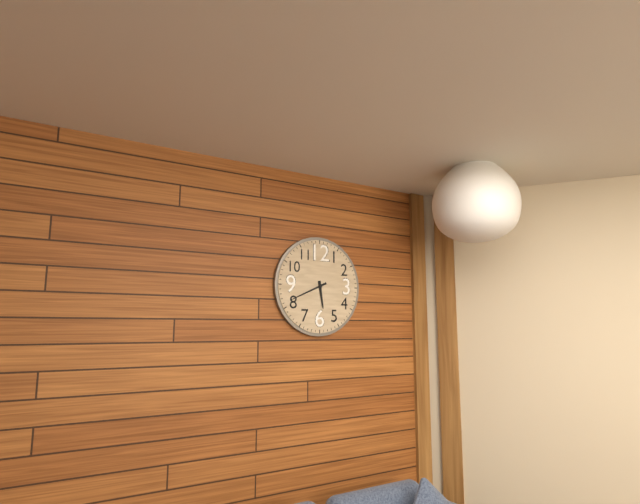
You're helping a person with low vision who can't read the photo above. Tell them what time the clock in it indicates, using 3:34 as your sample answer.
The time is 5:41
